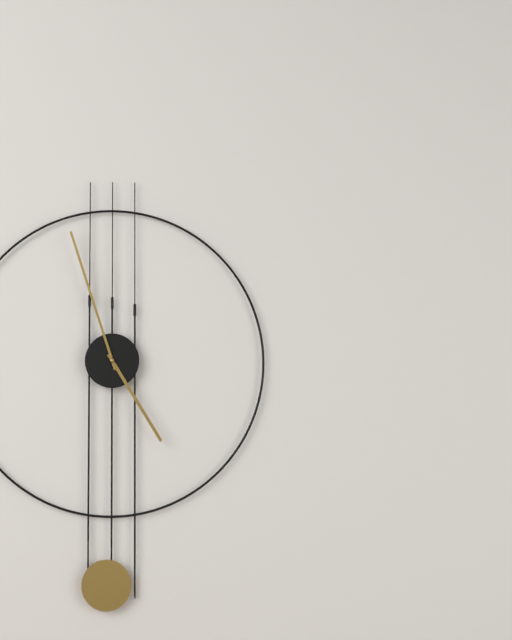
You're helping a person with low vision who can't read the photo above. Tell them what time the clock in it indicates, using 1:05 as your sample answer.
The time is 4:57
